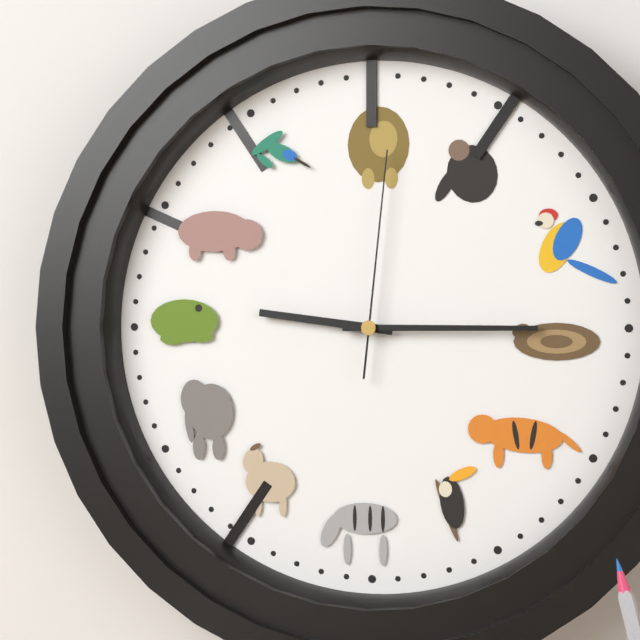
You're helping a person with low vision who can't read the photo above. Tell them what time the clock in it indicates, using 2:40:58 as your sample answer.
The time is 9:15:01
